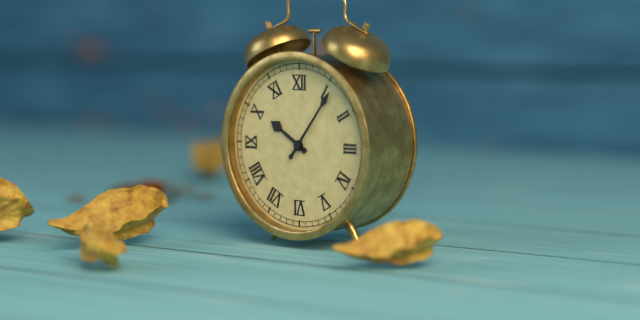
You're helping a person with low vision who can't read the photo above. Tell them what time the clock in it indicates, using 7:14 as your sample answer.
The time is 10:06
